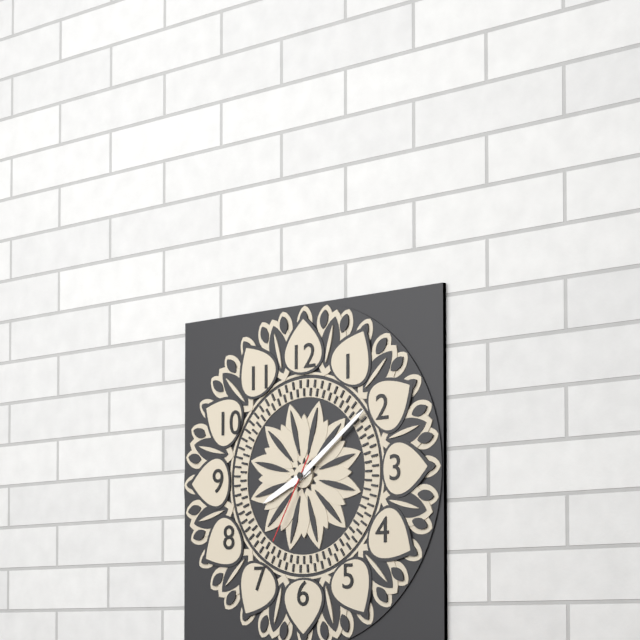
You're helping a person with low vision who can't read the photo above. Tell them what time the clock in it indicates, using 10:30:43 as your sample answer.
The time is 8:09:35
